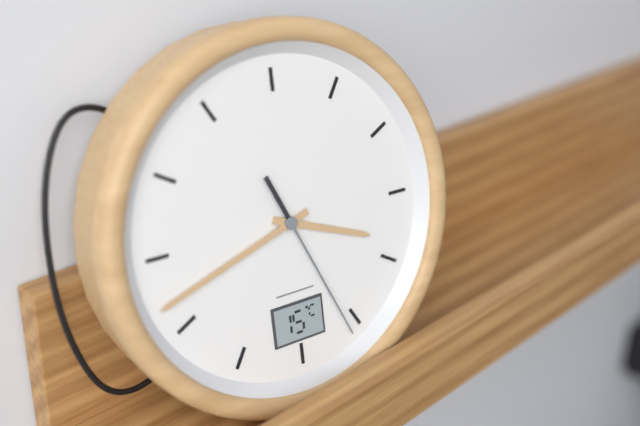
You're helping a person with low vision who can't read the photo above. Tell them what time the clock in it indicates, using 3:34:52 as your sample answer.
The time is 3:42:26
